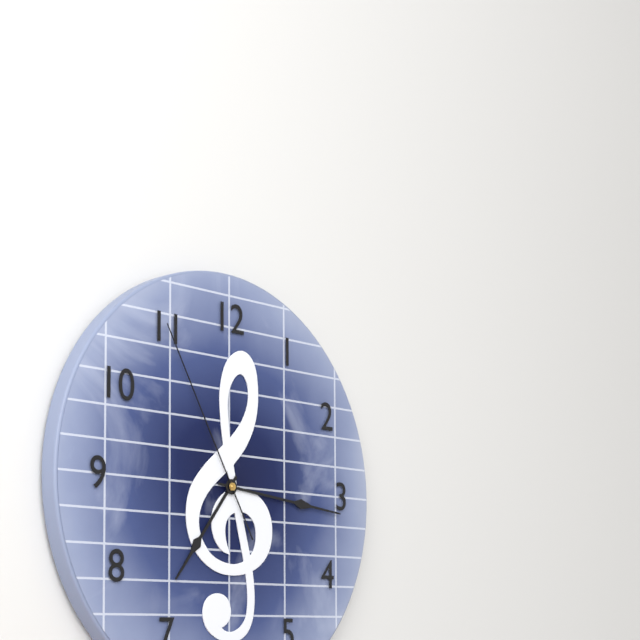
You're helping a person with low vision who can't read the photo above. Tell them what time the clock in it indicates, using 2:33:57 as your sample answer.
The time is 7:16:55
